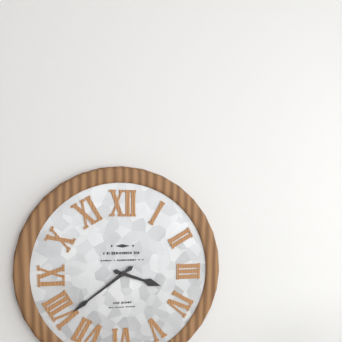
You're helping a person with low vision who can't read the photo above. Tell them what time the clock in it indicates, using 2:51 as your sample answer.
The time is 3:39
